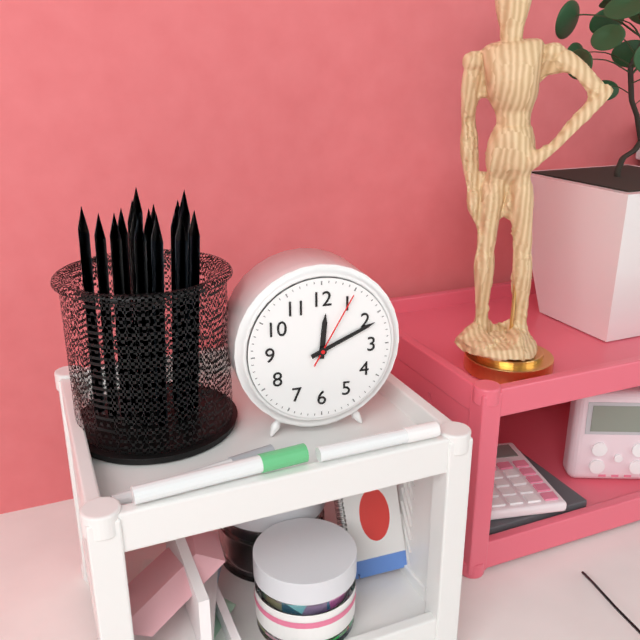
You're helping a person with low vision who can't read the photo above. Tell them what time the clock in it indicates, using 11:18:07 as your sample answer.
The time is 12:11:05
